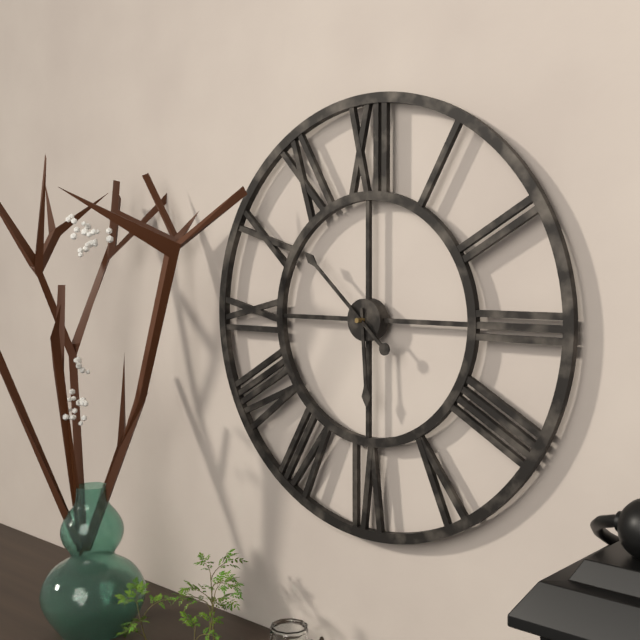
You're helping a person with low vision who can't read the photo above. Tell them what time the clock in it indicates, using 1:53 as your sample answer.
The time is 5:52
